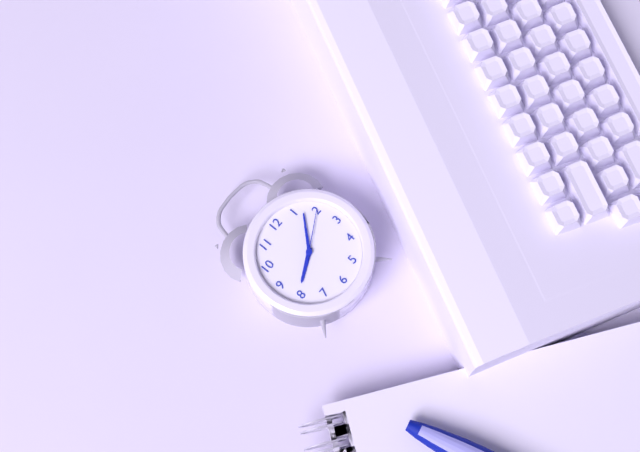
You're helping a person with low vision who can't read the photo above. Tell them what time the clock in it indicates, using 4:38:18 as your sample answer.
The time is 8:07:10
